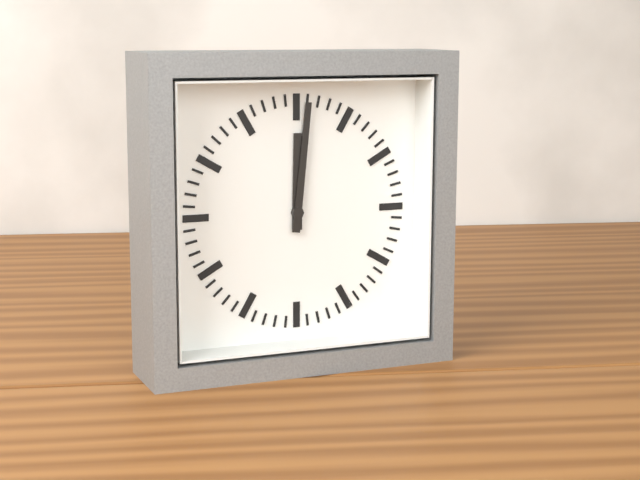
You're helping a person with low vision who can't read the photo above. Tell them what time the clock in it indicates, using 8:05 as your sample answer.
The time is 12:01
